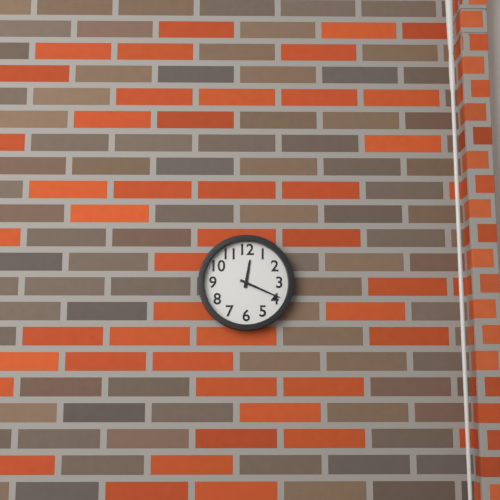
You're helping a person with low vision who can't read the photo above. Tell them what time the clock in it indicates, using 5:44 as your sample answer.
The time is 12:19
